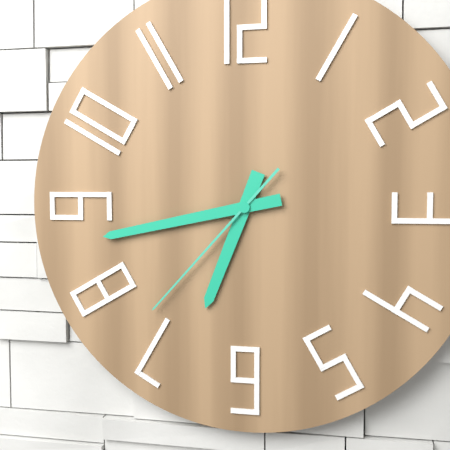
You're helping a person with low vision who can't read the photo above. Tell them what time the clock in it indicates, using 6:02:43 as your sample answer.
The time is 6:43:37
